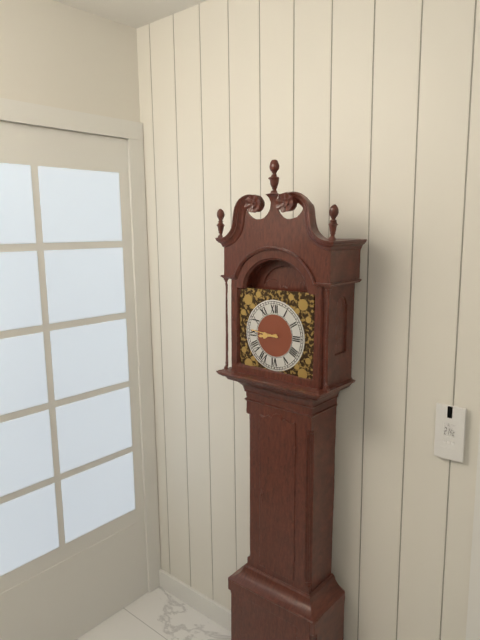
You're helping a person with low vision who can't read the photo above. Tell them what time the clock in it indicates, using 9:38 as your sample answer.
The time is 8:46
